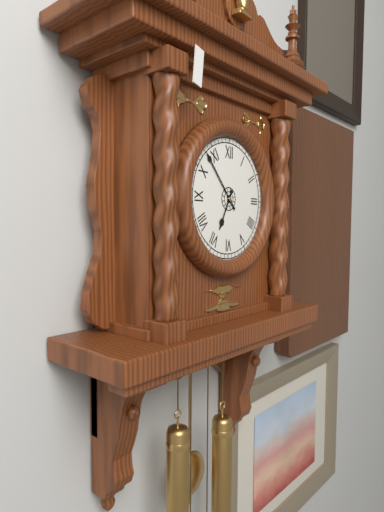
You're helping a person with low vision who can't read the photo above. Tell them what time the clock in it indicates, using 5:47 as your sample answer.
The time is 6:53
